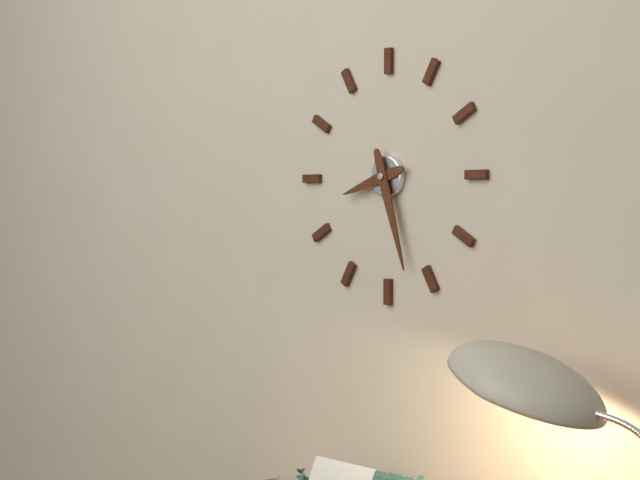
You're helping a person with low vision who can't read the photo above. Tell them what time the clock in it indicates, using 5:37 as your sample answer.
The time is 8:27
